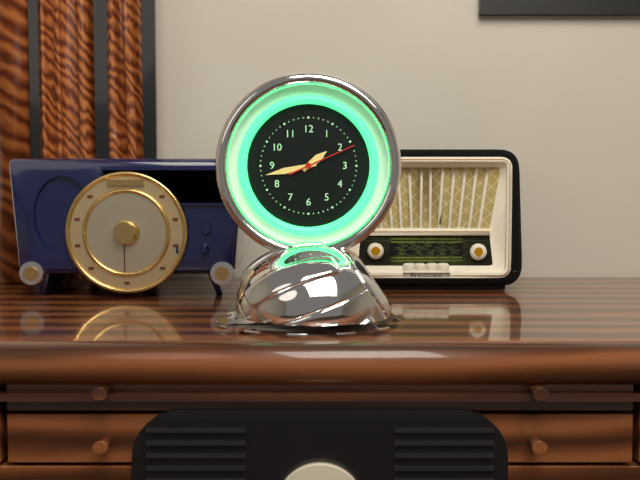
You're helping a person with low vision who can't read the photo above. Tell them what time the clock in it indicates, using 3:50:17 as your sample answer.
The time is 1:43:11
